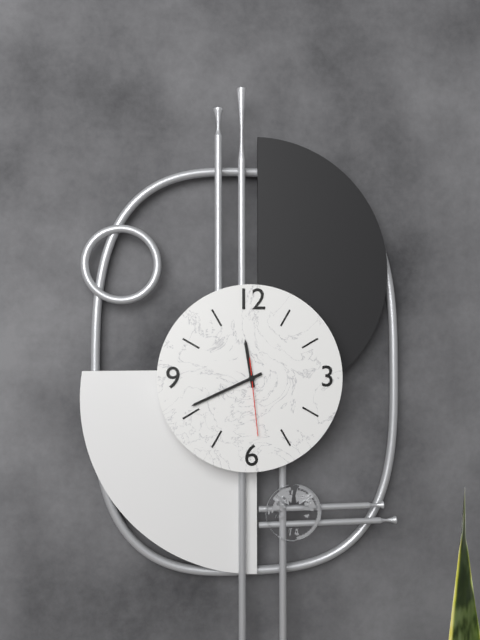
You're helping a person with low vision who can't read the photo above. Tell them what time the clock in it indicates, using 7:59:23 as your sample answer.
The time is 11:41:29
